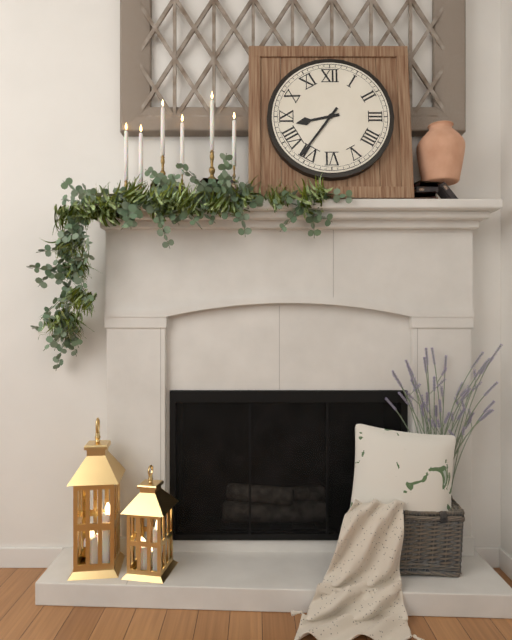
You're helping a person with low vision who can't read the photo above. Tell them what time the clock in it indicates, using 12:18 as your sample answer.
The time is 8:36
